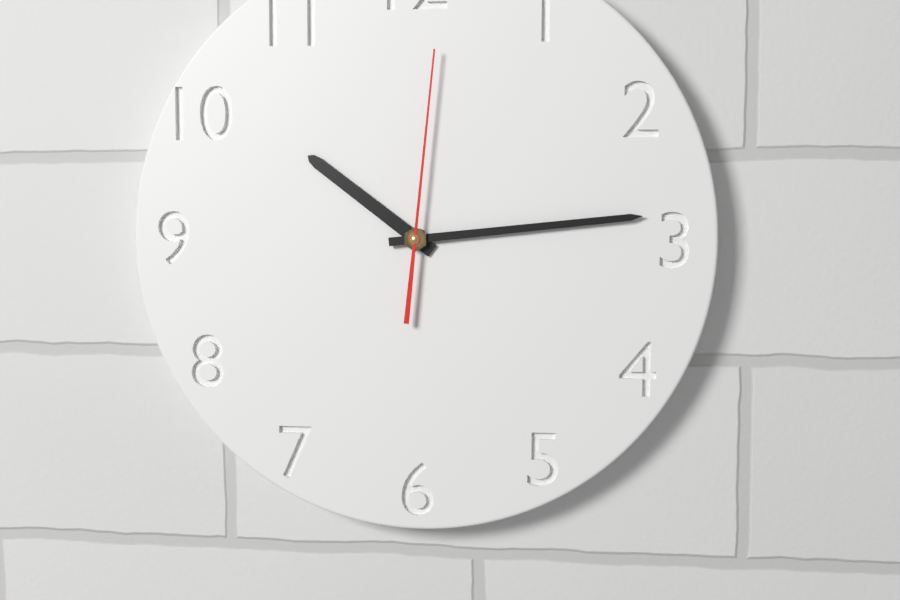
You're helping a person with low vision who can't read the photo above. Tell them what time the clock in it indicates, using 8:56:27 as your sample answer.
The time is 10:14:01
